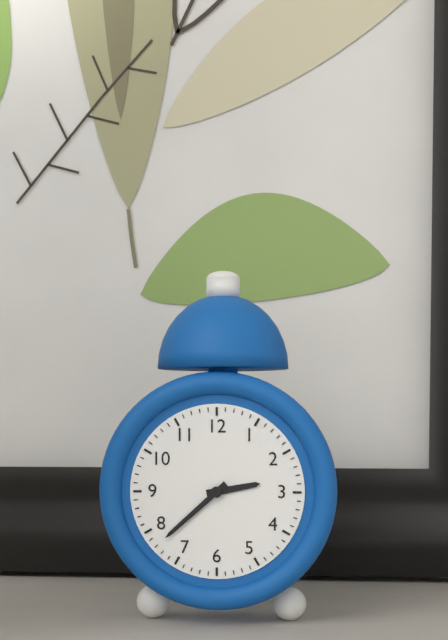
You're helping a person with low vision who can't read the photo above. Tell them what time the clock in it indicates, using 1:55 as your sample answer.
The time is 2:38
